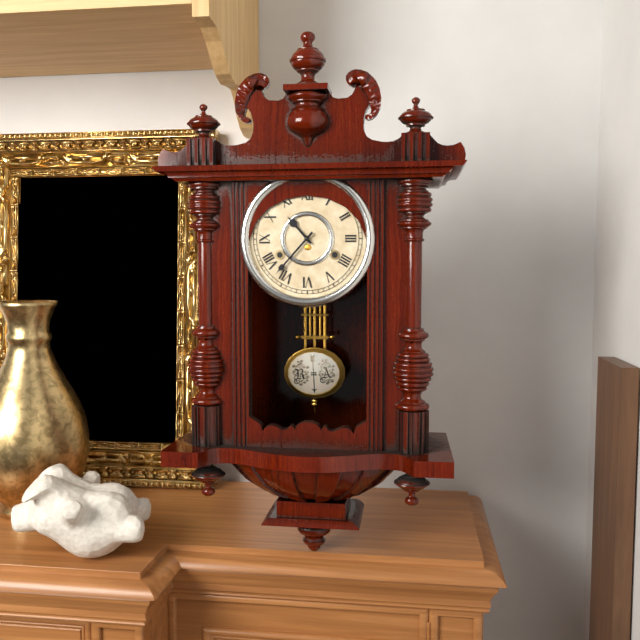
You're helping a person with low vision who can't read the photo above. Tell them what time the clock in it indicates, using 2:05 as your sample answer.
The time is 10:37
